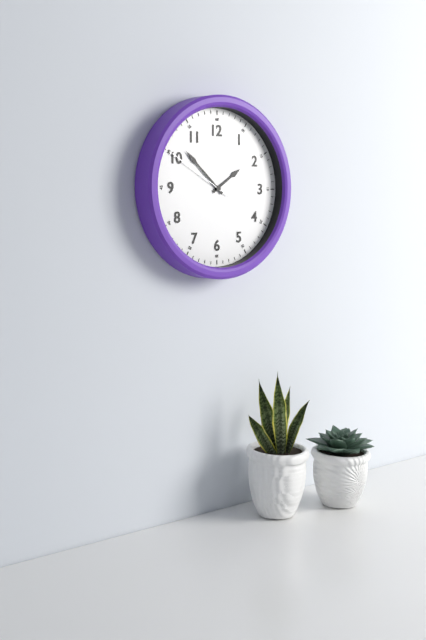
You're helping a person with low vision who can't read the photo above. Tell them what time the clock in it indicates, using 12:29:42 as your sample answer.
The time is 1:52:50
